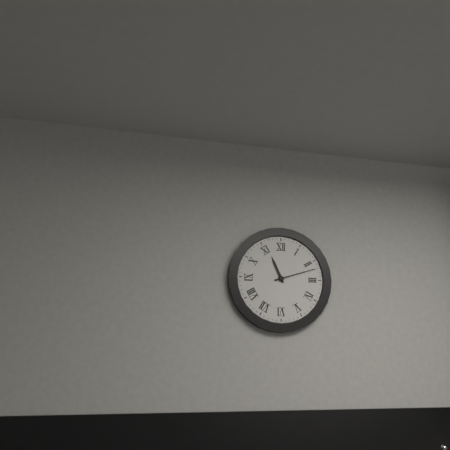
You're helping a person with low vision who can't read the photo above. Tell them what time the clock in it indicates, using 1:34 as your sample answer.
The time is 11:12
